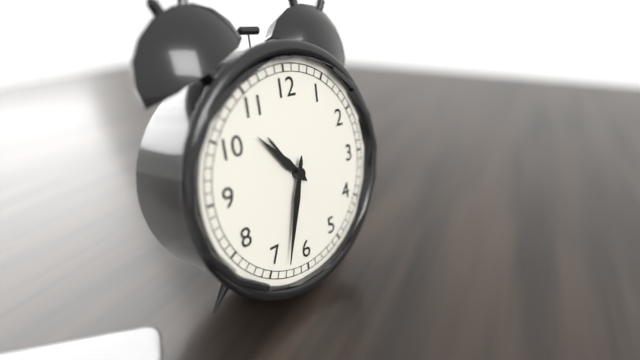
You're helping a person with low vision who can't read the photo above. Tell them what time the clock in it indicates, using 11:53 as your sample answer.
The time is 10:33
